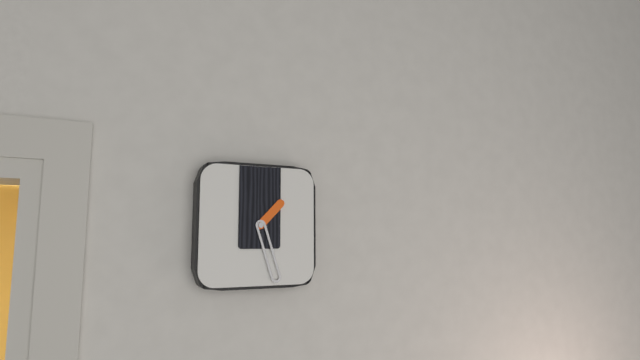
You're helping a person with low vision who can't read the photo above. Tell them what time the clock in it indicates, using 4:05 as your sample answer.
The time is 1:27
